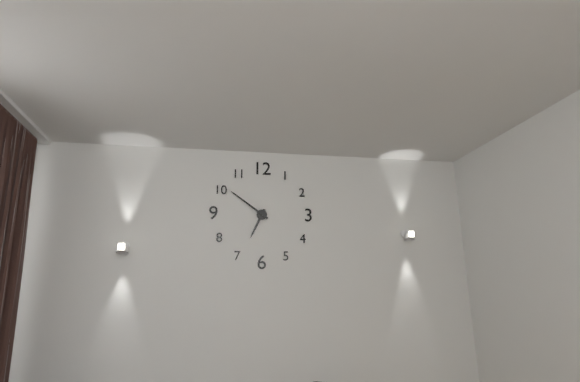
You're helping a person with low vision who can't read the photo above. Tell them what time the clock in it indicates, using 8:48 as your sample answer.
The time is 6:51
